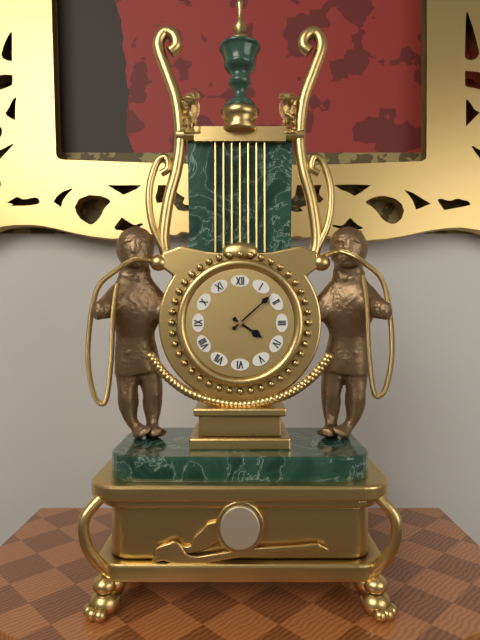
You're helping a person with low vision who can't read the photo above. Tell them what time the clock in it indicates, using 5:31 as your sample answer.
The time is 4:08
